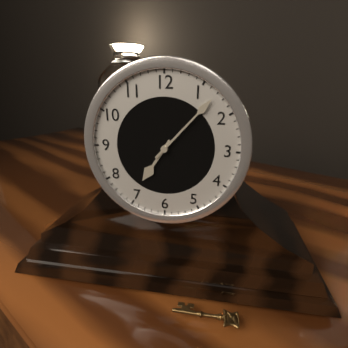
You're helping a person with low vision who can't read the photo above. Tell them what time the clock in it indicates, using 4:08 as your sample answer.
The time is 7:07
